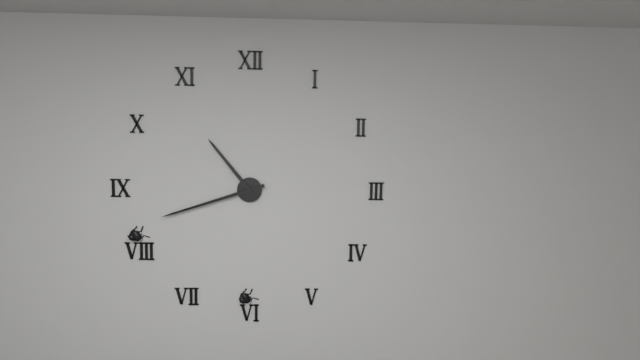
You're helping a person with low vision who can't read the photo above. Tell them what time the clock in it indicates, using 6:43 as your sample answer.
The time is 10:42
